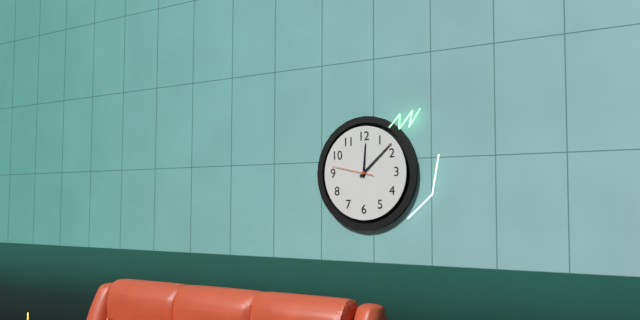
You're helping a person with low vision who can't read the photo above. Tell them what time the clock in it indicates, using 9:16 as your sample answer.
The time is 12:08
